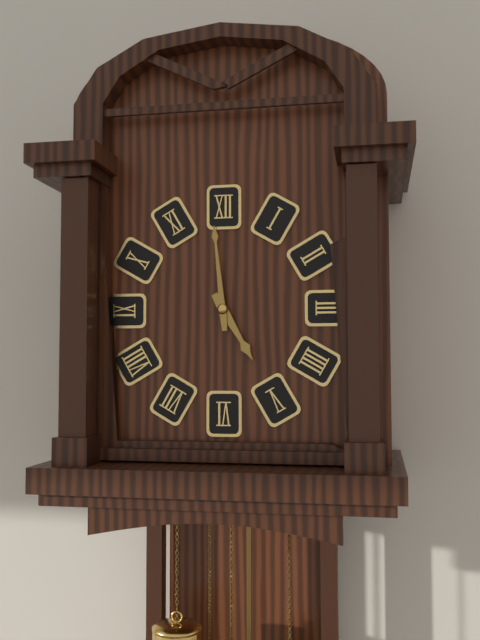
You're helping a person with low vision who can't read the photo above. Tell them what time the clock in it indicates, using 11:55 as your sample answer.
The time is 4:59
